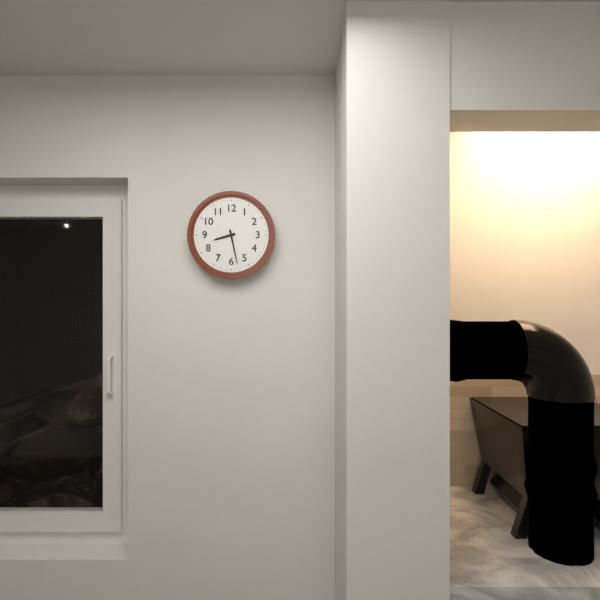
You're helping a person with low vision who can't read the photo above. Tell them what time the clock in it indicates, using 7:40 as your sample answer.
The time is 8:28
